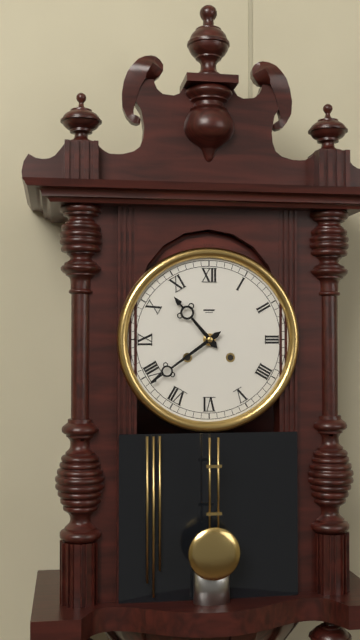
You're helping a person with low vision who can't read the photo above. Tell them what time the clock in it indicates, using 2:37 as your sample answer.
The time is 10:39
